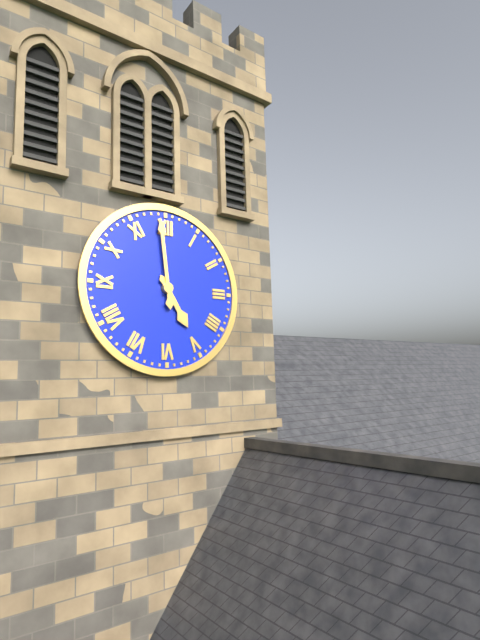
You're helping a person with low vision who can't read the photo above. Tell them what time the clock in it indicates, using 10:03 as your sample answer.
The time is 4:59
